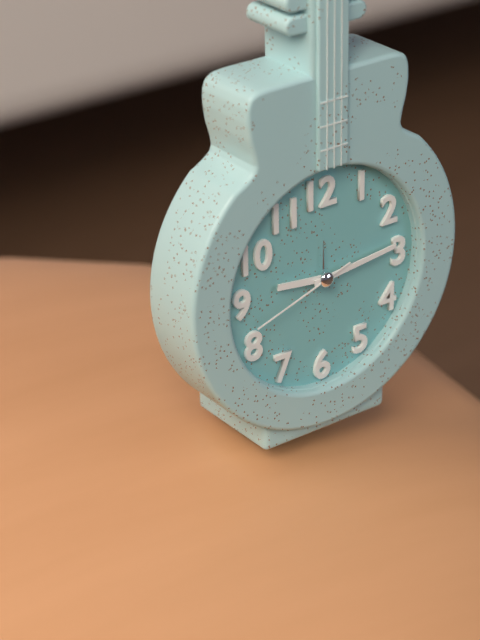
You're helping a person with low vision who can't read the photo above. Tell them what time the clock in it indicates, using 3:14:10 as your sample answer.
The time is 9:14:42
